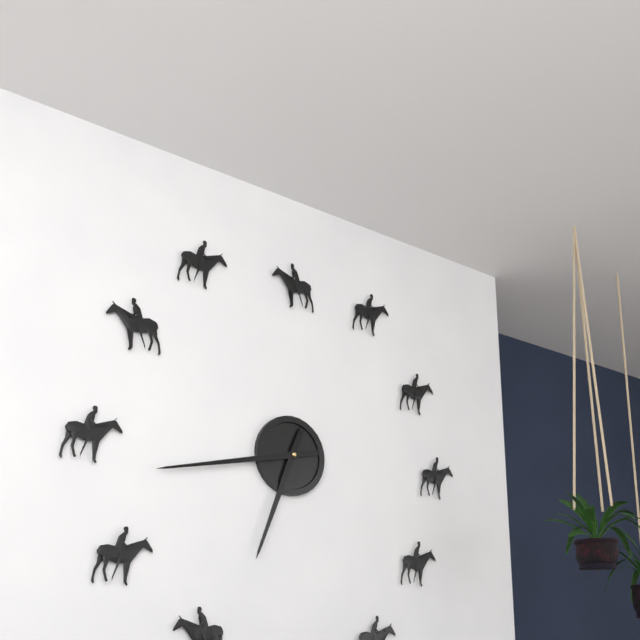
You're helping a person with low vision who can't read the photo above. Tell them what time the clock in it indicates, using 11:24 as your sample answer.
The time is 6:43
